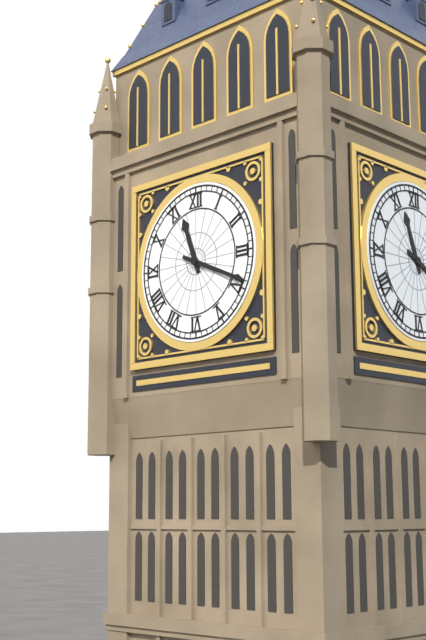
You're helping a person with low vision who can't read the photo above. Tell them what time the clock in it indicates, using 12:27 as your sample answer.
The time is 11:19
